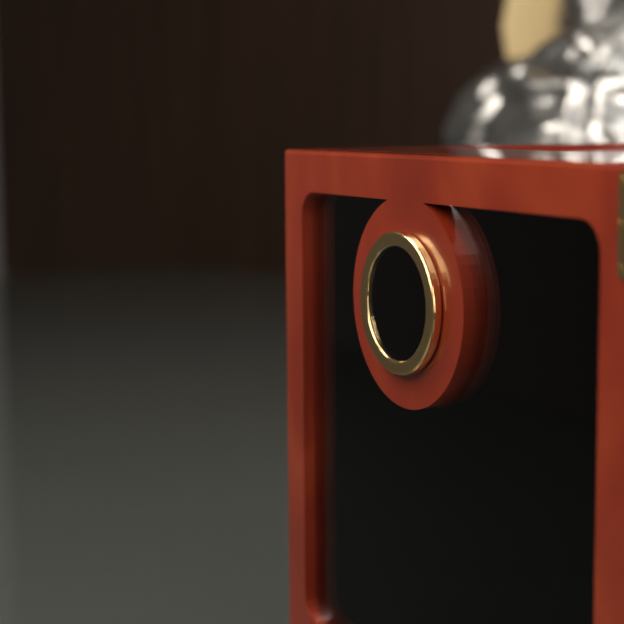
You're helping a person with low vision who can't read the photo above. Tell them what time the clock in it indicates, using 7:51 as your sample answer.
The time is 6:19
